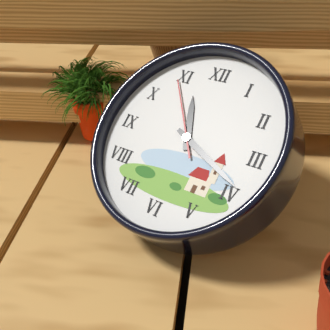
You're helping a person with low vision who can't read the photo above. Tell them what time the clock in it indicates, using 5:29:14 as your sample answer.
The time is 11:19:54
